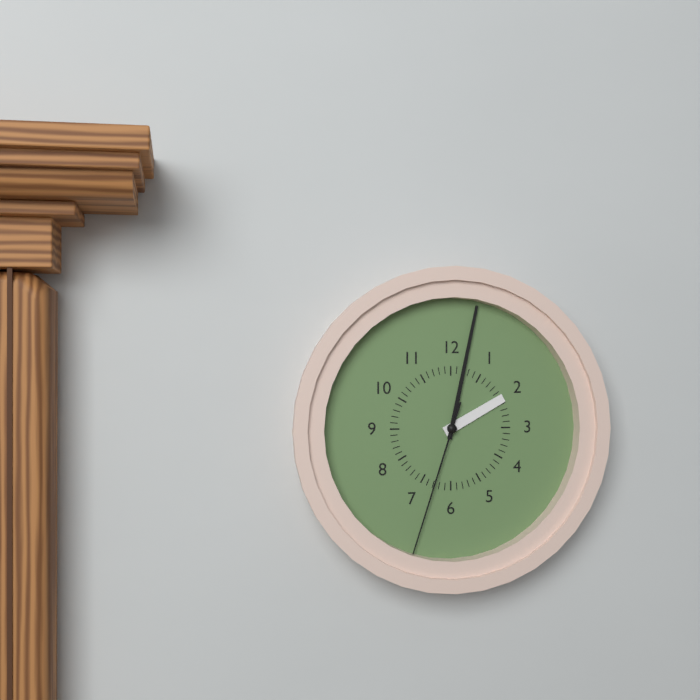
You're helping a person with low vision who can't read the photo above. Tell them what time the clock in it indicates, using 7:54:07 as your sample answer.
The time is 2:02:33
